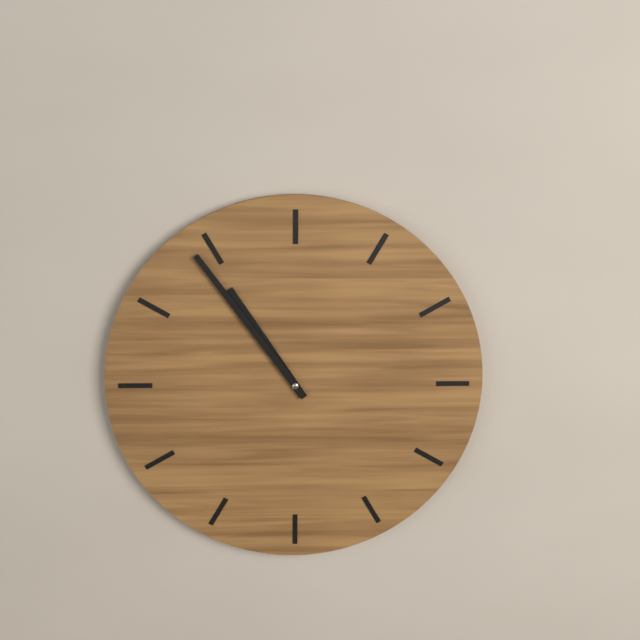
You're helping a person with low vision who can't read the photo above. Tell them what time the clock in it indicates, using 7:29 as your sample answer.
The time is 10:54
